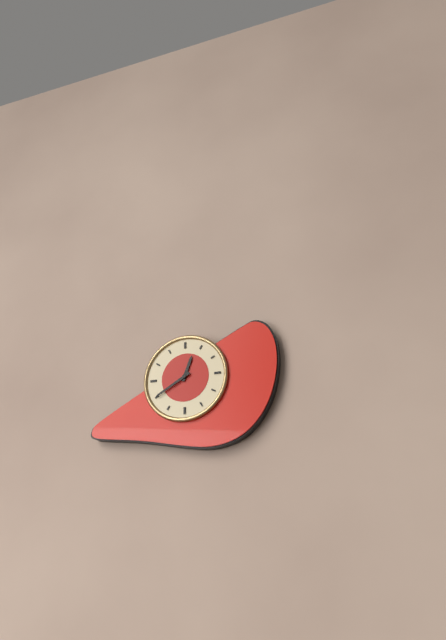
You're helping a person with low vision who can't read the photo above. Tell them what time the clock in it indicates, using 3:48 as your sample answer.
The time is 12:40
